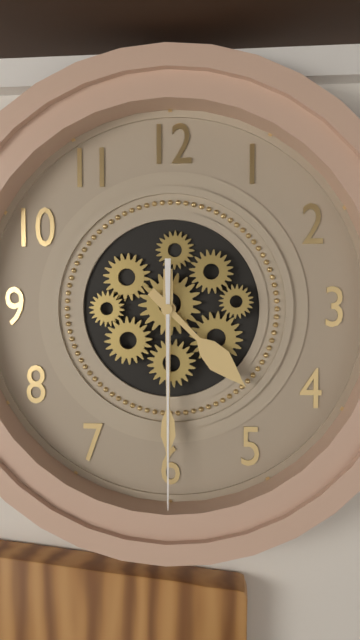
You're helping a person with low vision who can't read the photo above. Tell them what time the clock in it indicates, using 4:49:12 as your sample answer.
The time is 4:30:30
